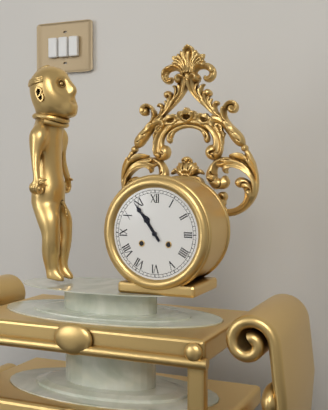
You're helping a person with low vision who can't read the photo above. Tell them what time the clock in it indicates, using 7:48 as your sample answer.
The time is 10:54
